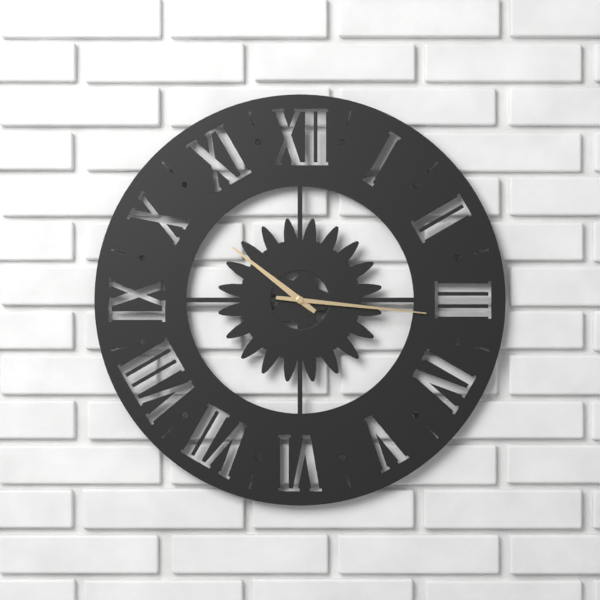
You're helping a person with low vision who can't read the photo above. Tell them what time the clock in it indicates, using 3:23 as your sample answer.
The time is 10:16
